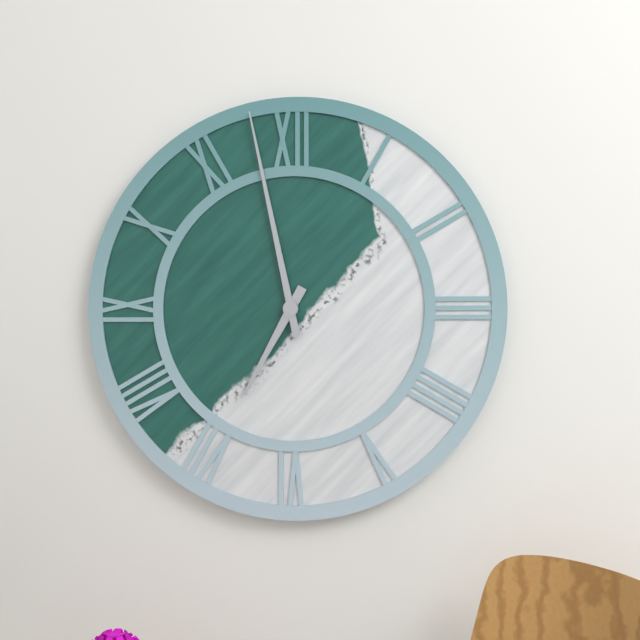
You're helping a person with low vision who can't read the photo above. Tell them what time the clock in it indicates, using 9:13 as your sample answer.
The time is 6:58
